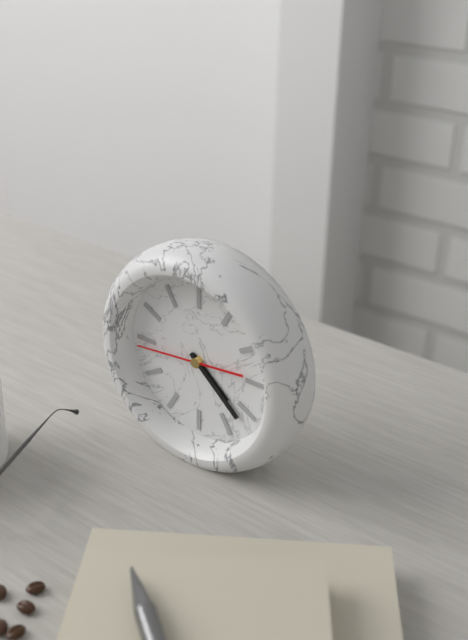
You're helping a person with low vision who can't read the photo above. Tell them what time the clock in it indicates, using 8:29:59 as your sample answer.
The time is 4:22:44
